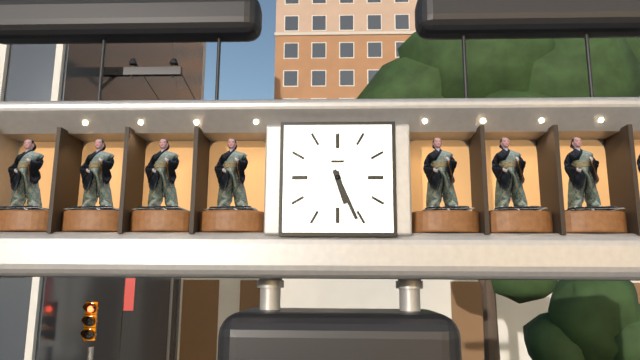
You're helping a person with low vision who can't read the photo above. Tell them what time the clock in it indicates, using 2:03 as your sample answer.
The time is 5:26
